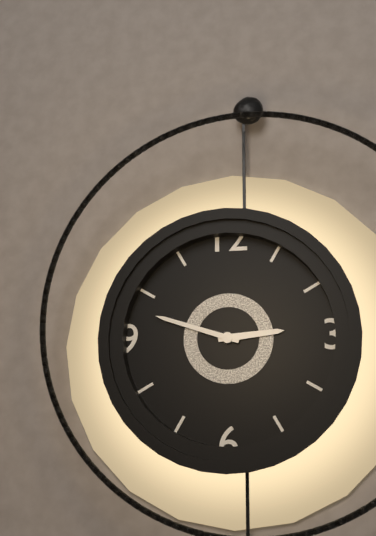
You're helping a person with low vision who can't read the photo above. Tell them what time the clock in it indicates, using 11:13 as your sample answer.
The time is 2:48
